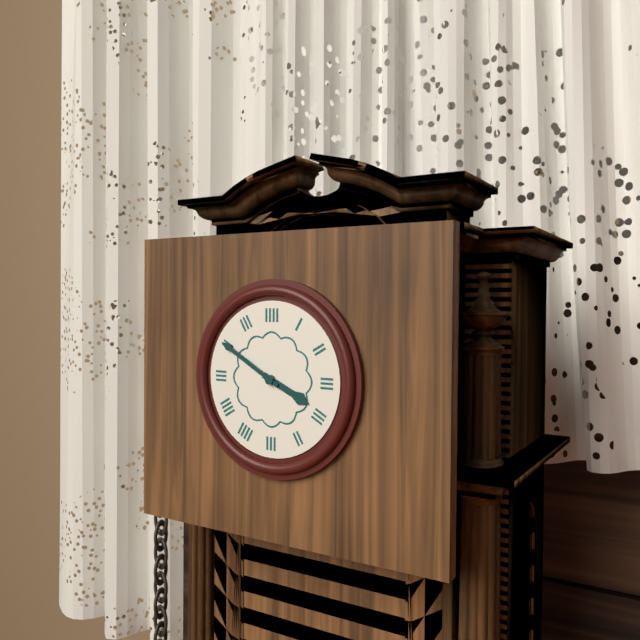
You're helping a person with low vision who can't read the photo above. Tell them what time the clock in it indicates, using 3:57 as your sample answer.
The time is 3:50
